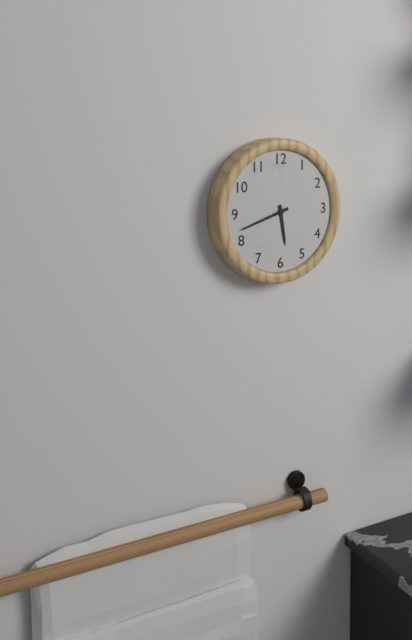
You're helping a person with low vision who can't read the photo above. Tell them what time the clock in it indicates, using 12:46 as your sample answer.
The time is 5:42
